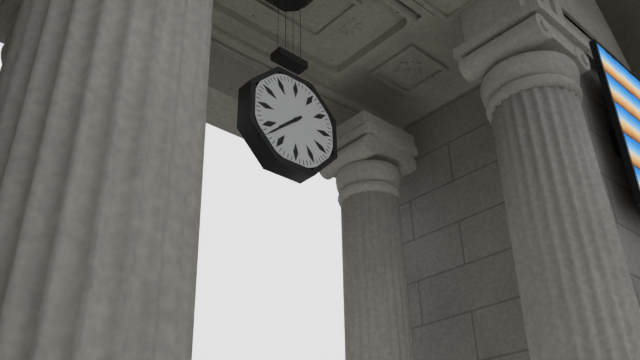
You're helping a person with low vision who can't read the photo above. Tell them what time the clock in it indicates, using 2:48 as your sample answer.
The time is 7:38
